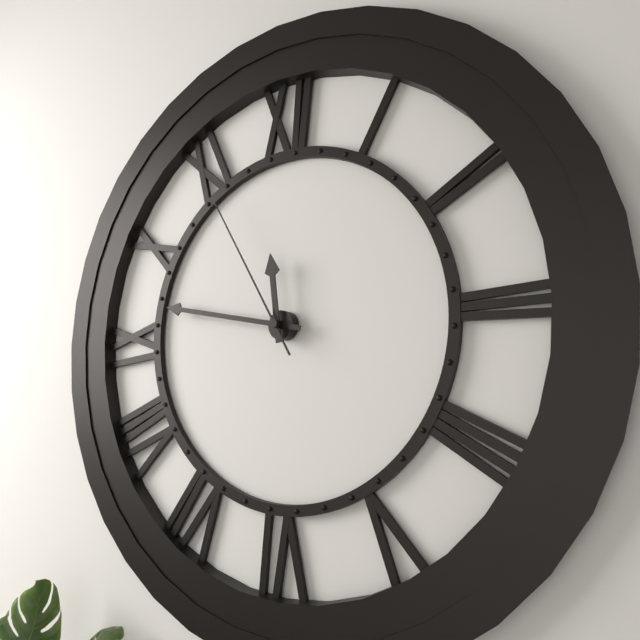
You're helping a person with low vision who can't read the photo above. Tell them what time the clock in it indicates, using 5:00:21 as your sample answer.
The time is 11:47:55
